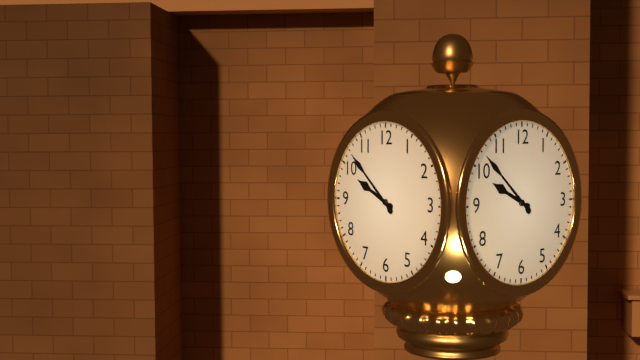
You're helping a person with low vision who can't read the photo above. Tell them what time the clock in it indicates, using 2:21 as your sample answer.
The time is 9:52
